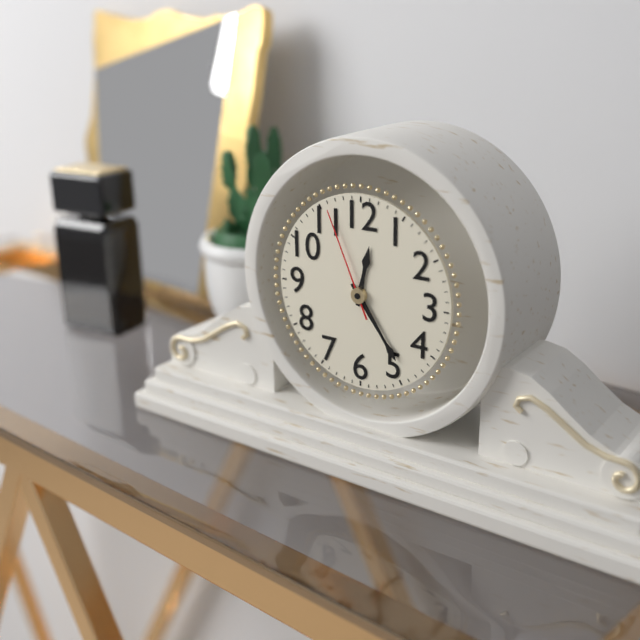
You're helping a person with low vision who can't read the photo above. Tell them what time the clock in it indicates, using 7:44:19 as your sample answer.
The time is 12:24:56
